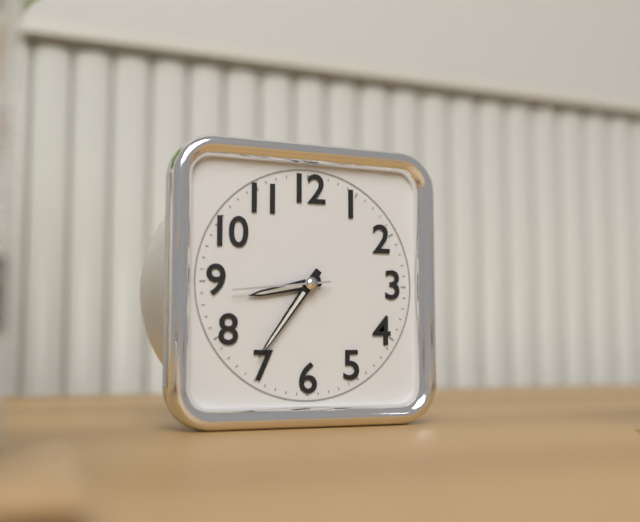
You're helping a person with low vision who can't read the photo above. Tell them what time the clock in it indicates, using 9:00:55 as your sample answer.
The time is 8:36:44
